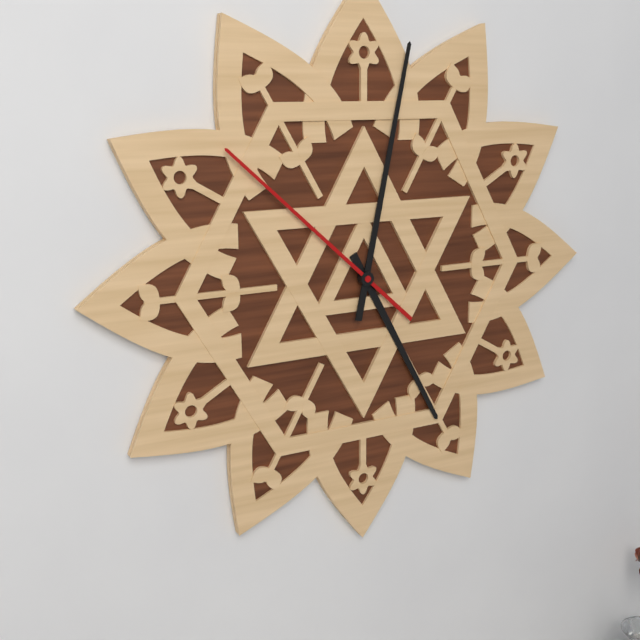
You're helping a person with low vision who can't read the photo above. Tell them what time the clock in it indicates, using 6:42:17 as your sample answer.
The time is 5:02:52
